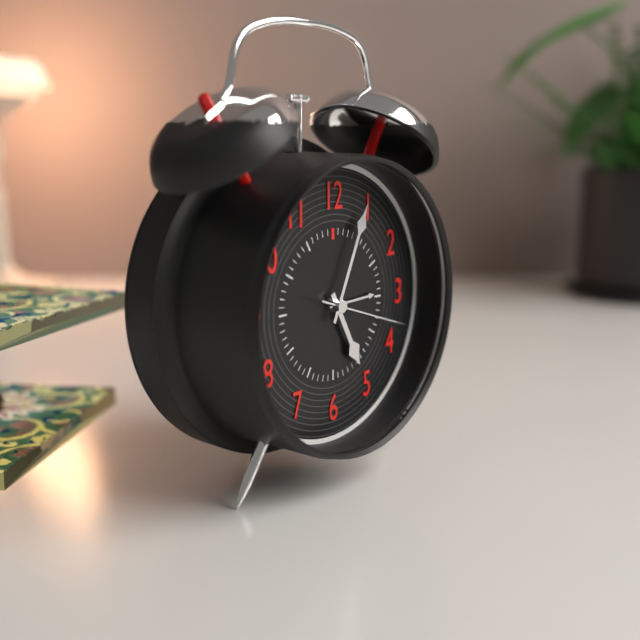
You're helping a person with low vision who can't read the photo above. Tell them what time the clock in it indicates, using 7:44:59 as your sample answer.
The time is 5:04:18
